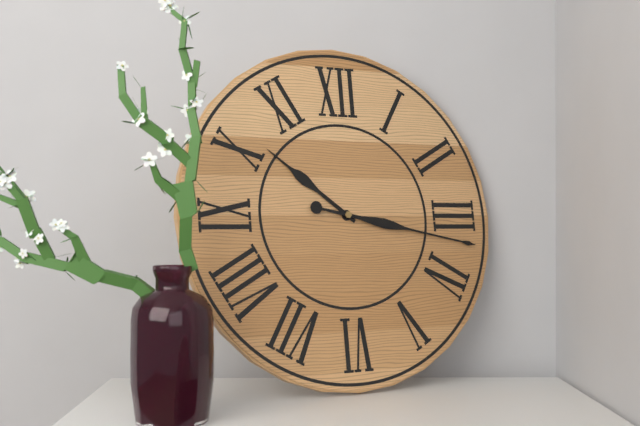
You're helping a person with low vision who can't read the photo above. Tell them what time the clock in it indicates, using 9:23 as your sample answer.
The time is 10:17
